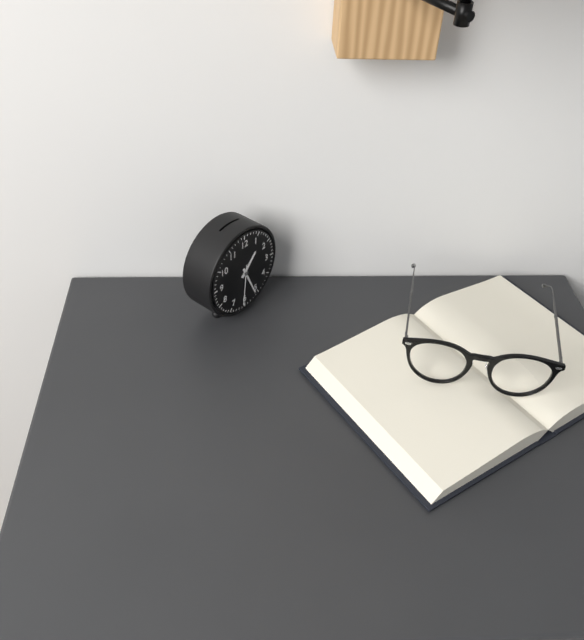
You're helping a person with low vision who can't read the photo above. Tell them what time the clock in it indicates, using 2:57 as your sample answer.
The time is 1:26
